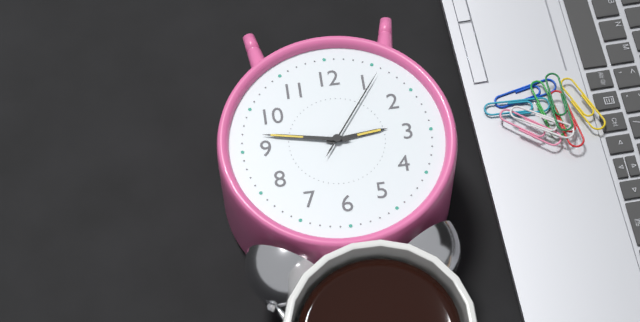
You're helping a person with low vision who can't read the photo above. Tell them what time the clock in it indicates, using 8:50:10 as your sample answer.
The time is 2:47:06
